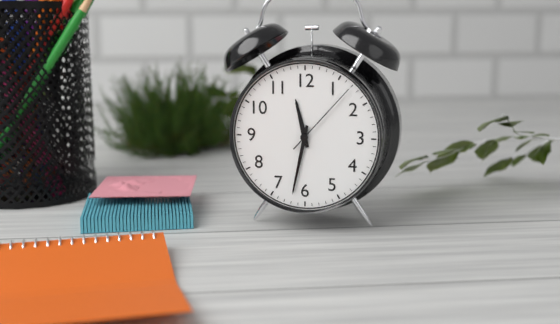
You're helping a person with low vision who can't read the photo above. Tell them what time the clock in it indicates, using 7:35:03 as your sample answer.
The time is 11:32:07
